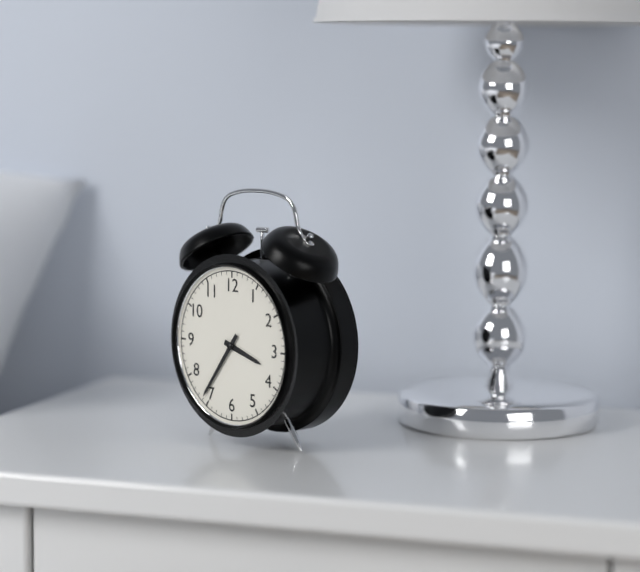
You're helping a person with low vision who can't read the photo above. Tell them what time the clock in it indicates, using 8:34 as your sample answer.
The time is 3:36
